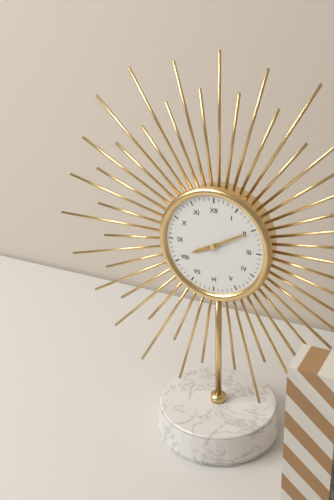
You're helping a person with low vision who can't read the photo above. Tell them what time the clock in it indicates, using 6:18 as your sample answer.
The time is 8:10
